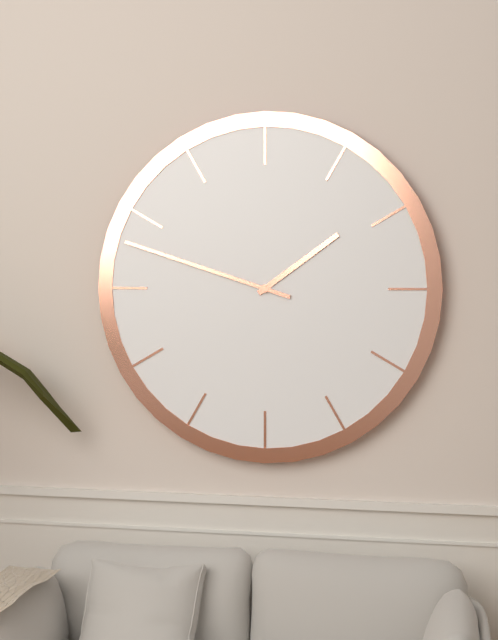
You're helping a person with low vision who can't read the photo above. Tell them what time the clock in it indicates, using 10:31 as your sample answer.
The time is 1:48
